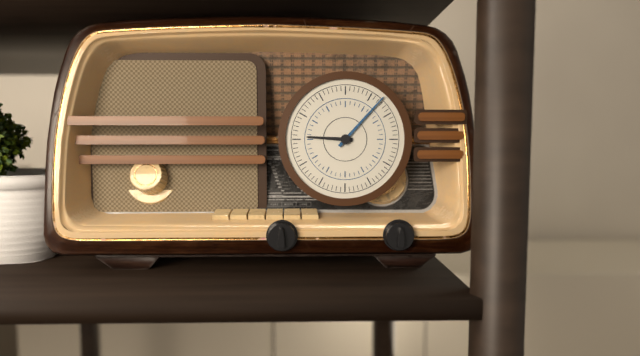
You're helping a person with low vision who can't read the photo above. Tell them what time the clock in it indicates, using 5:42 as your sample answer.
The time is 9:07
